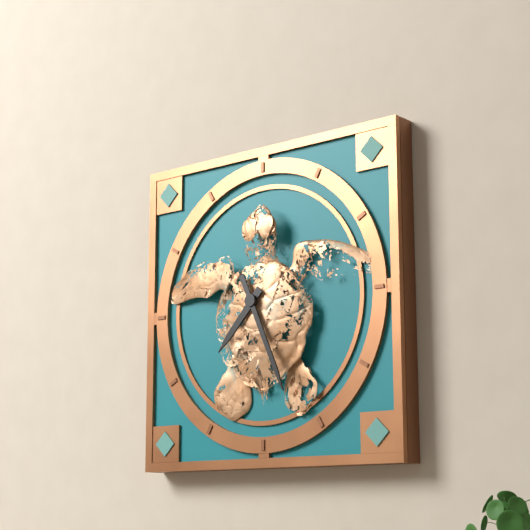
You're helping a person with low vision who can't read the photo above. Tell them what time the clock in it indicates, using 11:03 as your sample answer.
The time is 7:26
